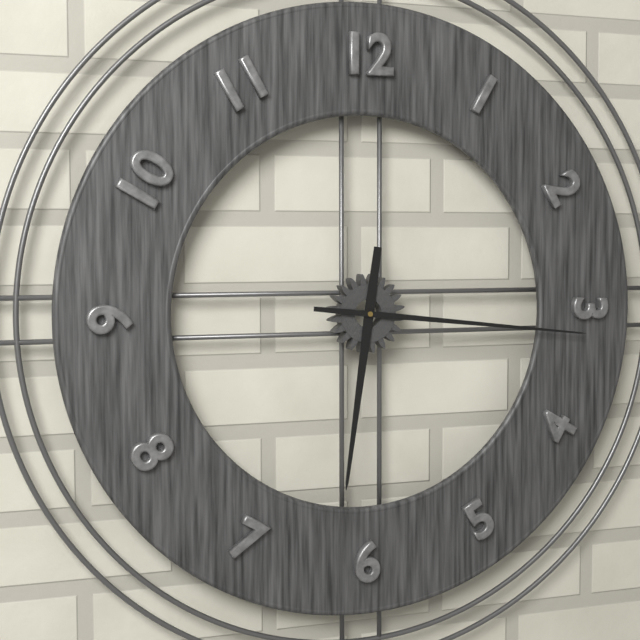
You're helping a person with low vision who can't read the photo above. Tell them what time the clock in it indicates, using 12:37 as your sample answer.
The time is 6:16
